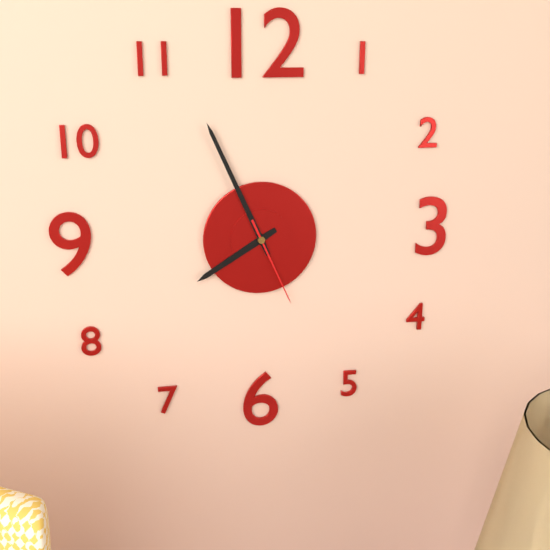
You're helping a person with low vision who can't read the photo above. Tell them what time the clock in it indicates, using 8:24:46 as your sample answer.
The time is 7:56:26
